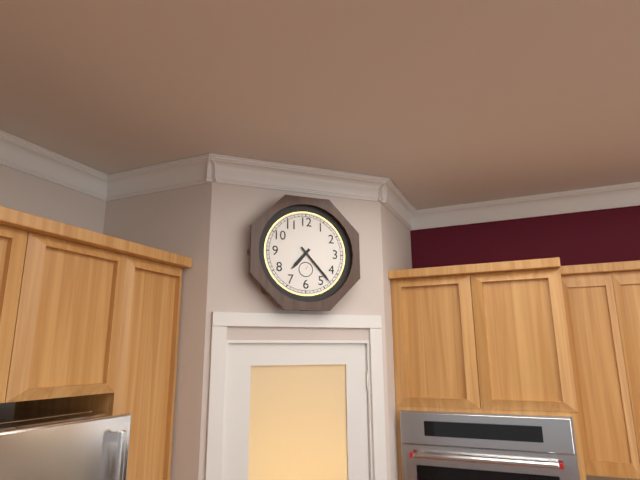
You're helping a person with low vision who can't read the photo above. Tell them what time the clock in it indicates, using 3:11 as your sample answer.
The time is 7:23
